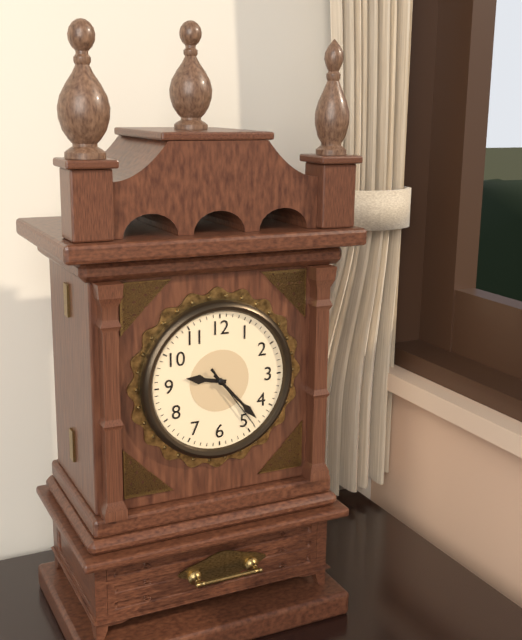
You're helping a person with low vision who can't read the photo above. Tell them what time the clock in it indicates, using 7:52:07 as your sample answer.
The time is 9:23:24
